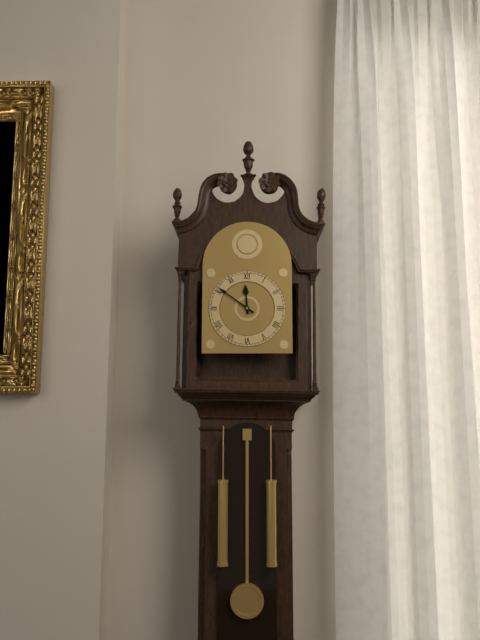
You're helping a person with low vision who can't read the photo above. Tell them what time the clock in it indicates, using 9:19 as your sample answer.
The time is 11:51
